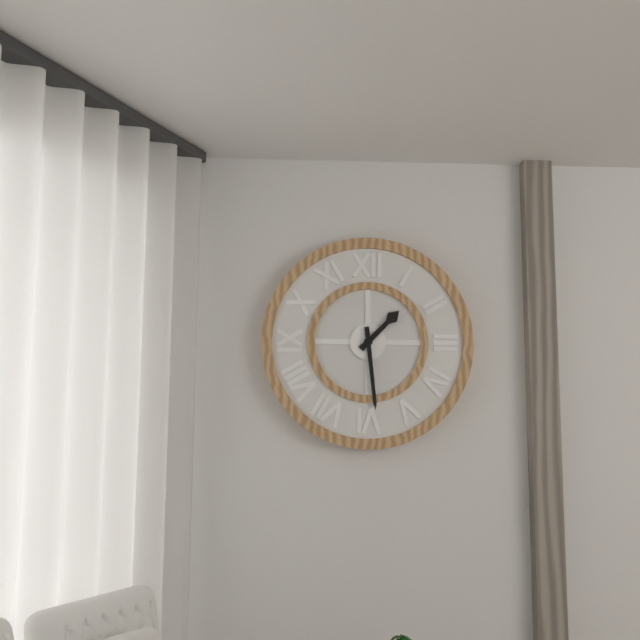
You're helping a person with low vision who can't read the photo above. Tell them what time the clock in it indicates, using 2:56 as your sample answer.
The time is 1:29
